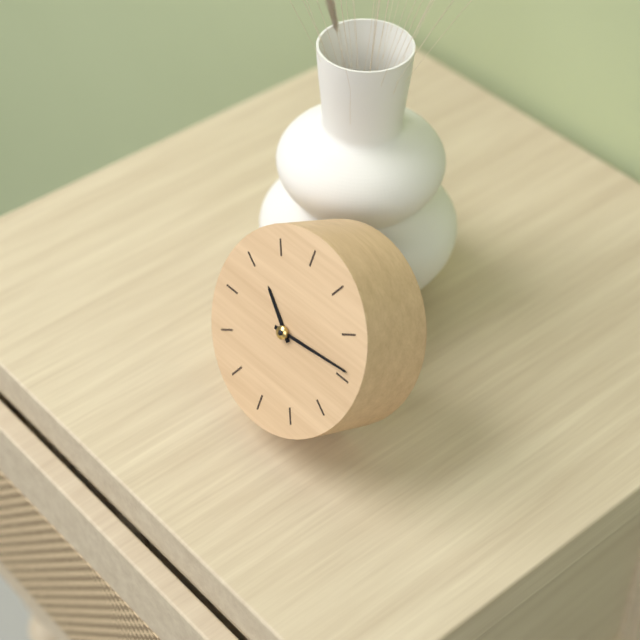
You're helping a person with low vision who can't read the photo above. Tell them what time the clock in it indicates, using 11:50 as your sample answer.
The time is 10:14
